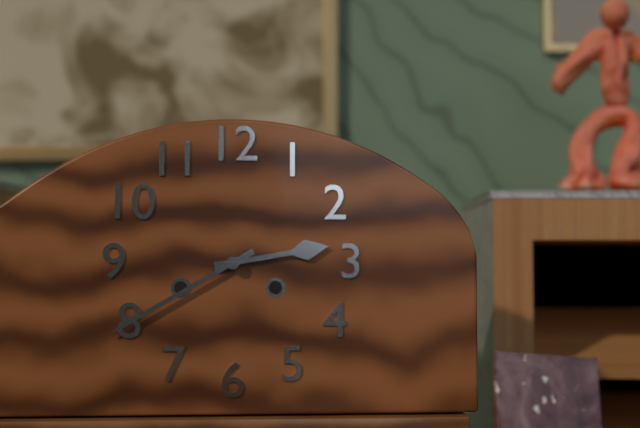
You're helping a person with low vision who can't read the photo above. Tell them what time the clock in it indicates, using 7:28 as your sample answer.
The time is 2:40
